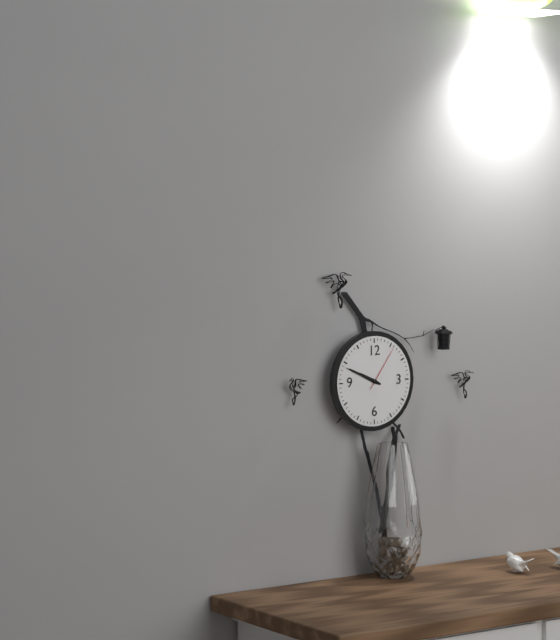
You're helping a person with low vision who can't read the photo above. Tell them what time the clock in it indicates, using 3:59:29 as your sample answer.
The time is 9:49:06
